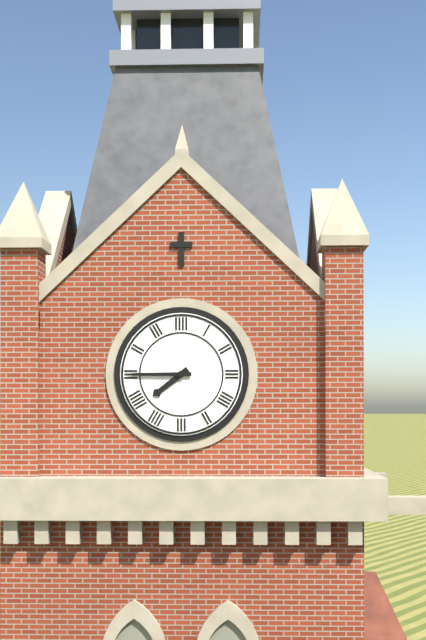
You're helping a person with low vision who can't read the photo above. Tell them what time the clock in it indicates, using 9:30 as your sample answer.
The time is 7:45
